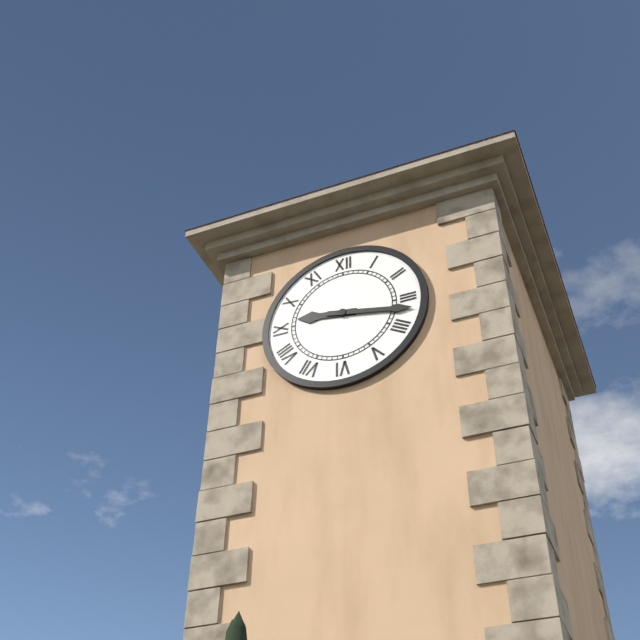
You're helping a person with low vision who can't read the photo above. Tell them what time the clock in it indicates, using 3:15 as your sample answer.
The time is 9:17
